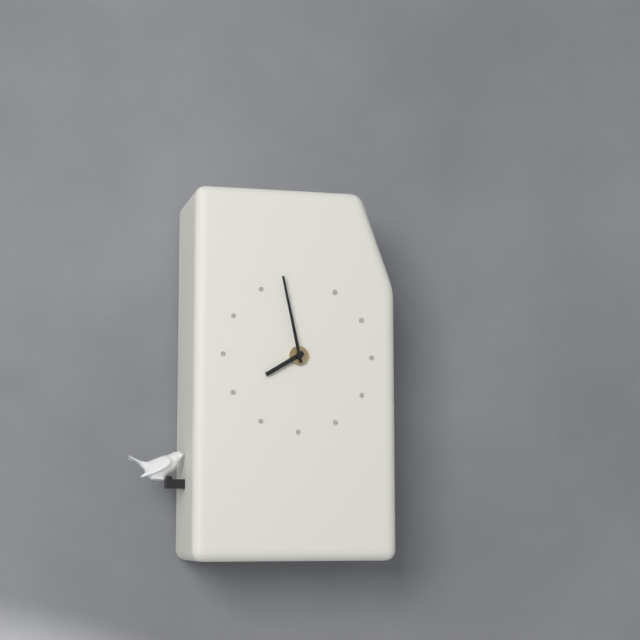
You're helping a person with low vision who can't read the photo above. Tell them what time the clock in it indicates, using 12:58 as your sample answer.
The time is 7:58
